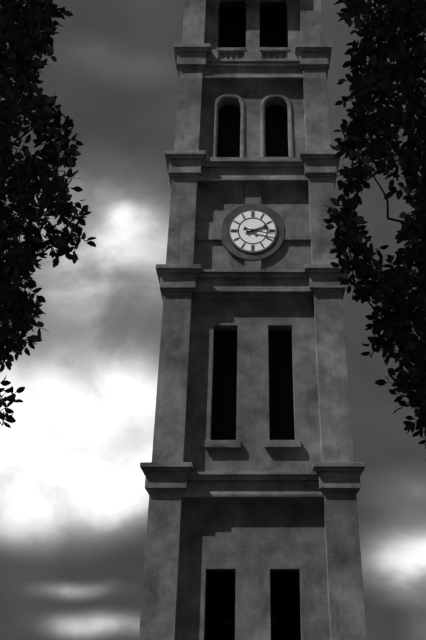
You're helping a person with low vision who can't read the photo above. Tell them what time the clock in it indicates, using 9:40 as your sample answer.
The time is 2:17
